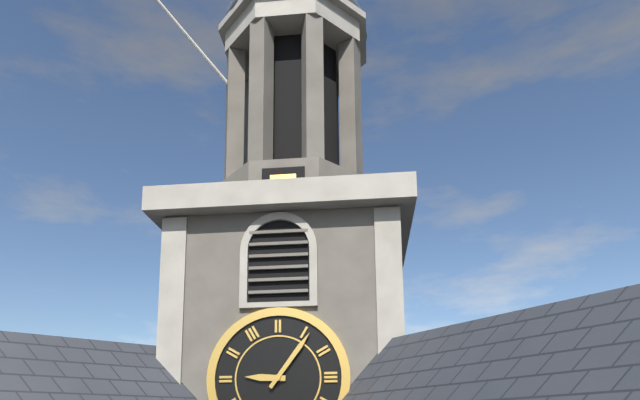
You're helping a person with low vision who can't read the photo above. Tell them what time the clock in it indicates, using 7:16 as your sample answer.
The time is 9:06
